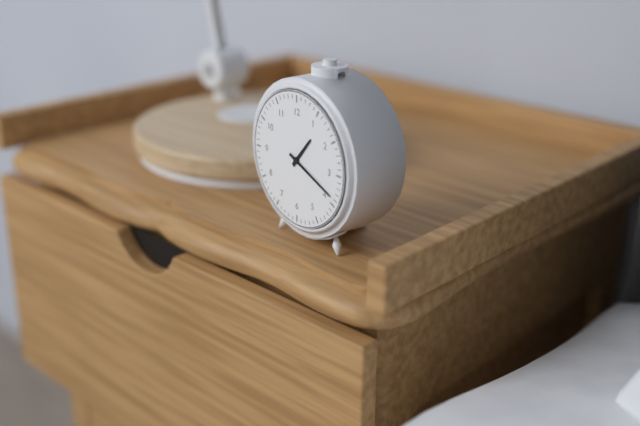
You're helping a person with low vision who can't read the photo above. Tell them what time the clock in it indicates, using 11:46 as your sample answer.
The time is 1:19
